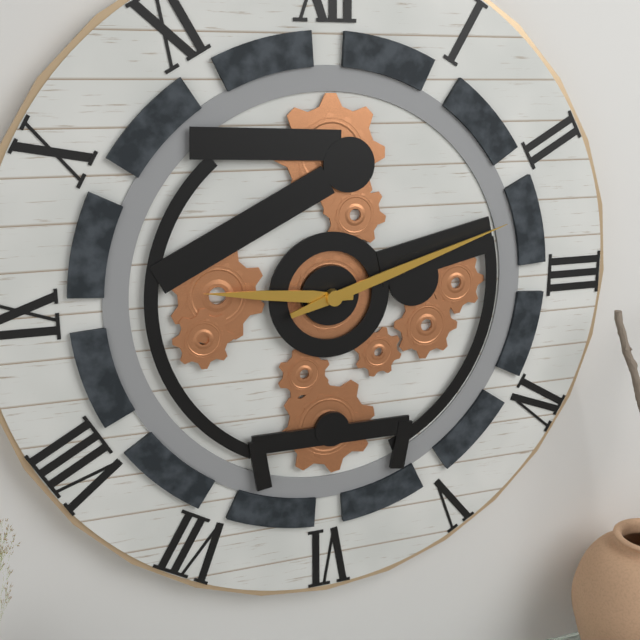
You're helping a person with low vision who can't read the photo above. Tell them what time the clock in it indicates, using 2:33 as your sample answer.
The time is 9:12
